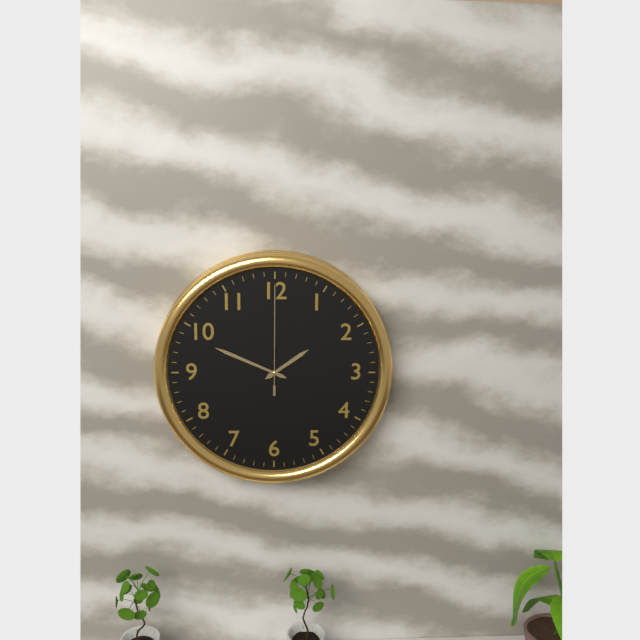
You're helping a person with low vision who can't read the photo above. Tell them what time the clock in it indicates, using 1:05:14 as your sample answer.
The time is 1:49:00
